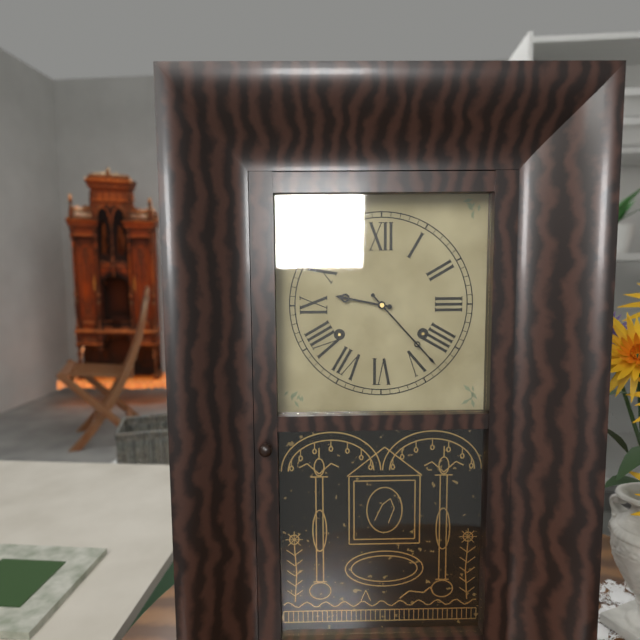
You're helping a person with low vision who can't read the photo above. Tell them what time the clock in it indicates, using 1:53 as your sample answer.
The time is 9:23
